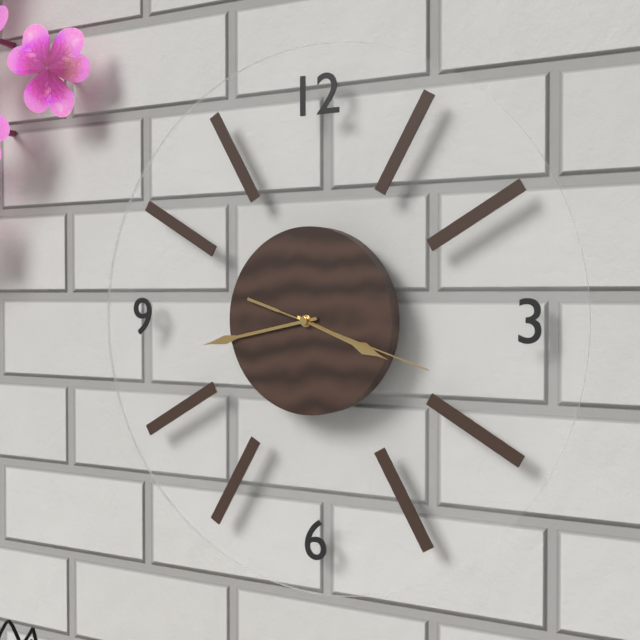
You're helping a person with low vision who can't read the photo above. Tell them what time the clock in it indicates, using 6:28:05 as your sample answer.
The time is 3:43:18
